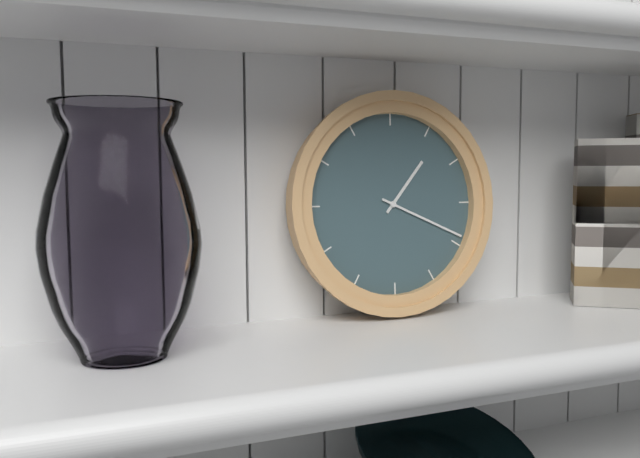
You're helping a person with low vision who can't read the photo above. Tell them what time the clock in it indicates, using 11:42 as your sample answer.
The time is 1:19
